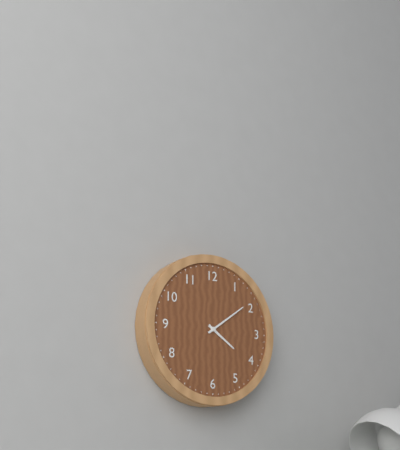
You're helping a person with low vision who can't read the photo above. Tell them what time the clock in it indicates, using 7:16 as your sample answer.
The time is 4:09
